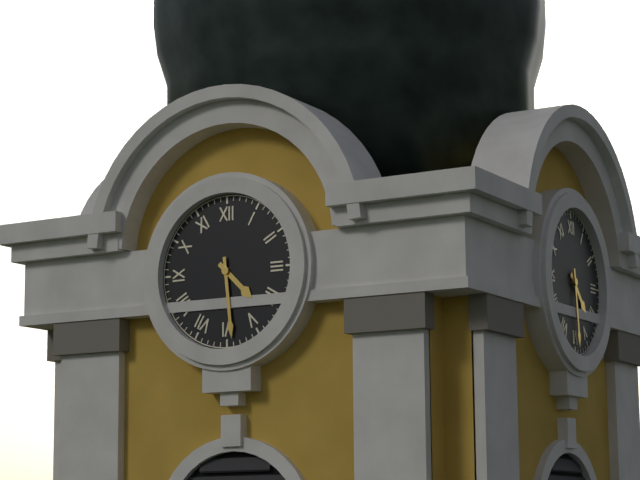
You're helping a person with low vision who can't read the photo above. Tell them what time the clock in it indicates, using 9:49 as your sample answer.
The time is 4:29
